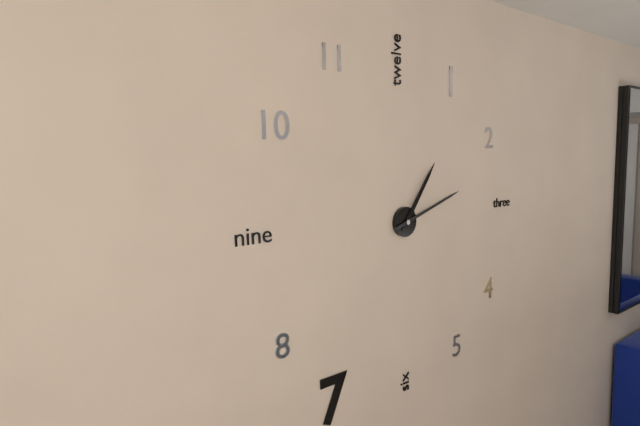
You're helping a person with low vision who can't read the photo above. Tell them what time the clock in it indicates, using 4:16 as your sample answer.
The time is 1:12
